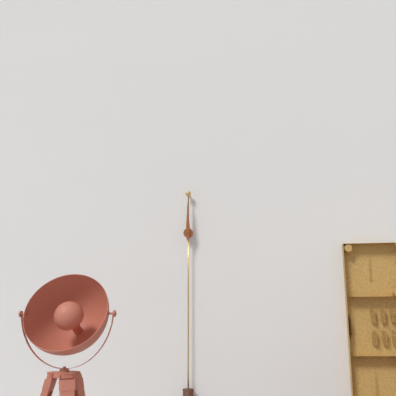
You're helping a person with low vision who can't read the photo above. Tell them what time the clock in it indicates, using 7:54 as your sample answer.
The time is 12:00
